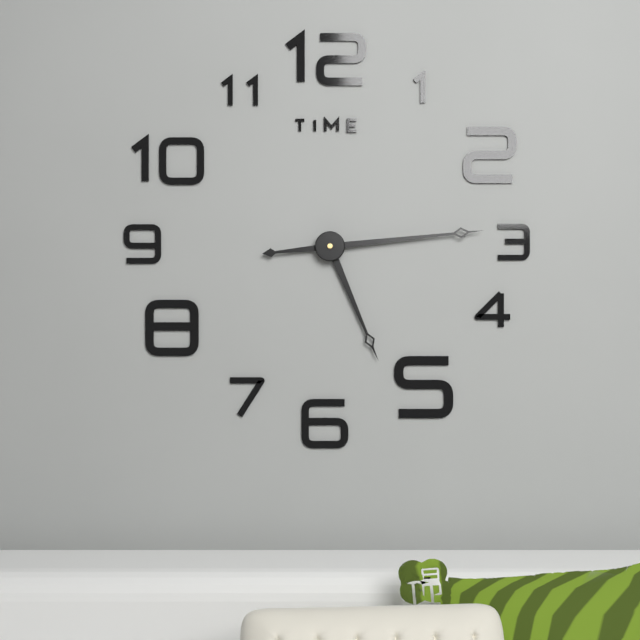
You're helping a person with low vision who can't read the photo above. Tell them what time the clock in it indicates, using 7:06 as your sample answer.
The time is 5:14
